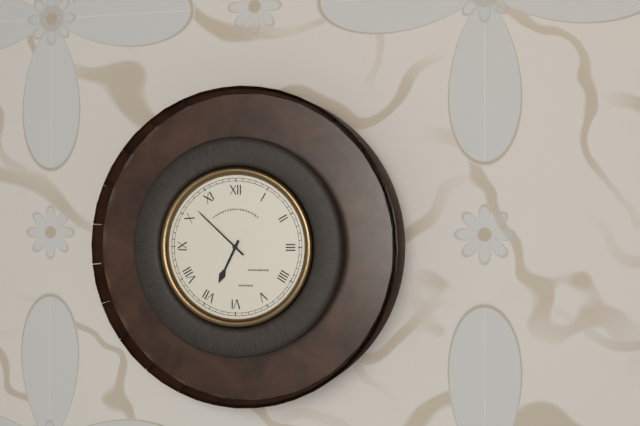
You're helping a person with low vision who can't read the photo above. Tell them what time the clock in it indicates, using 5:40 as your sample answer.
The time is 6:52
